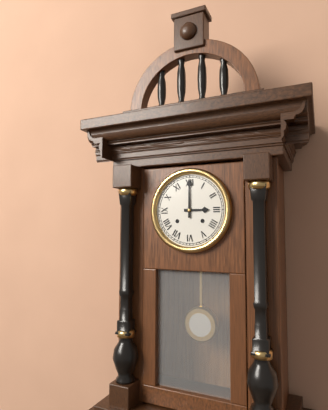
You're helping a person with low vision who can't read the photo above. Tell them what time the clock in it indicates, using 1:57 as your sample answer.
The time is 3:00
